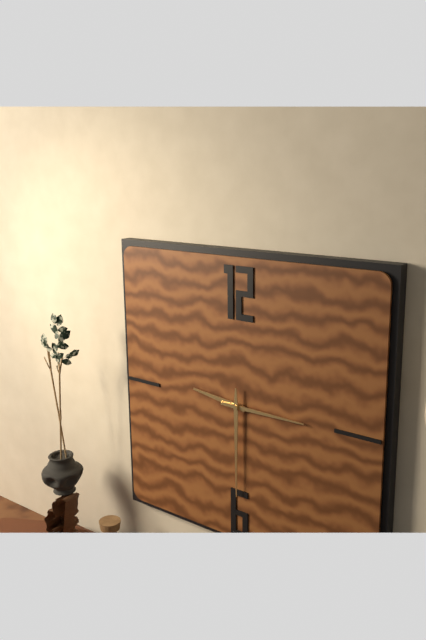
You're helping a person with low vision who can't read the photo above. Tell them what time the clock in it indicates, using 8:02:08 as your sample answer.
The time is 9:15:30
